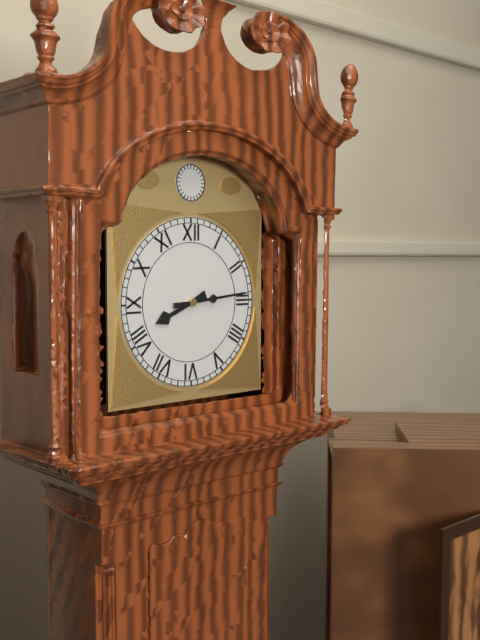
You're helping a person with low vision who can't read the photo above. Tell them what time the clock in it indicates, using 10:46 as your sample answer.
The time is 8:14
